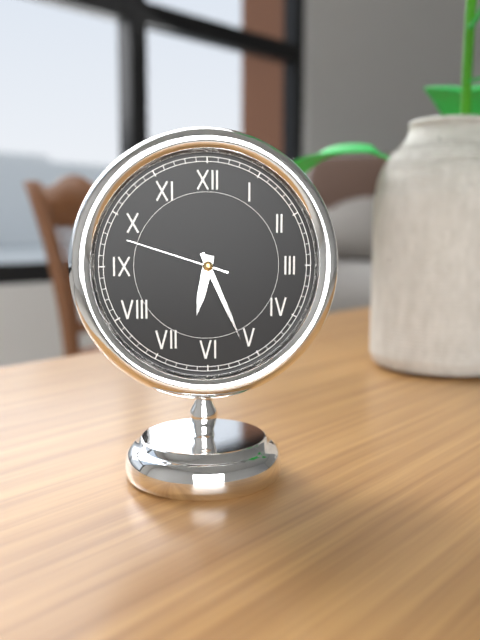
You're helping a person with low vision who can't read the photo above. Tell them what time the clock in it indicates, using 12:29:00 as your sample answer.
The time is 6:26:48
